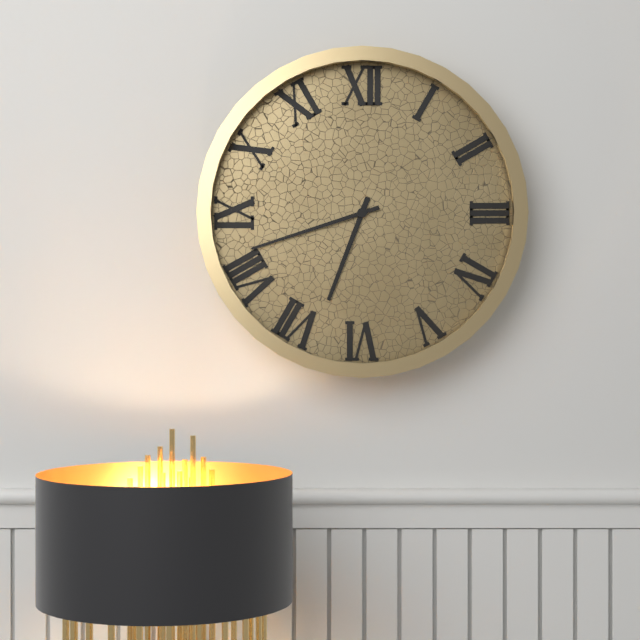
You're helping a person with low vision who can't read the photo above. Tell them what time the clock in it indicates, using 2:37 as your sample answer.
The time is 6:42
